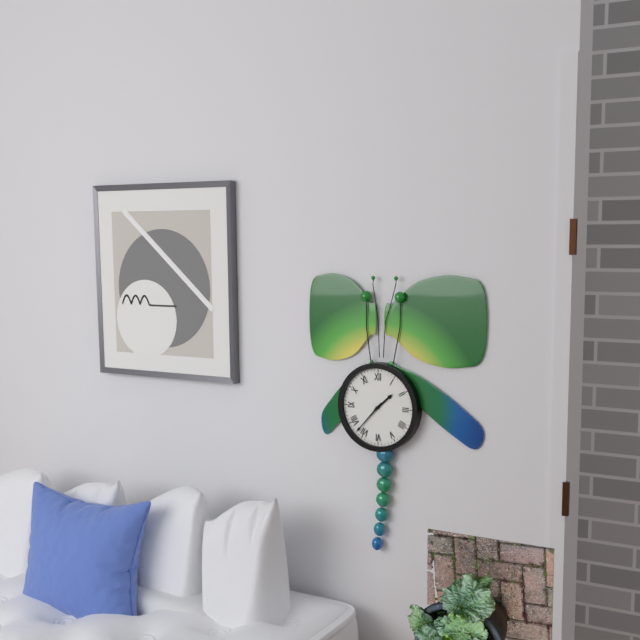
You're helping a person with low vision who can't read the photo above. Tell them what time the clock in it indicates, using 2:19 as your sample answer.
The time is 1:37
